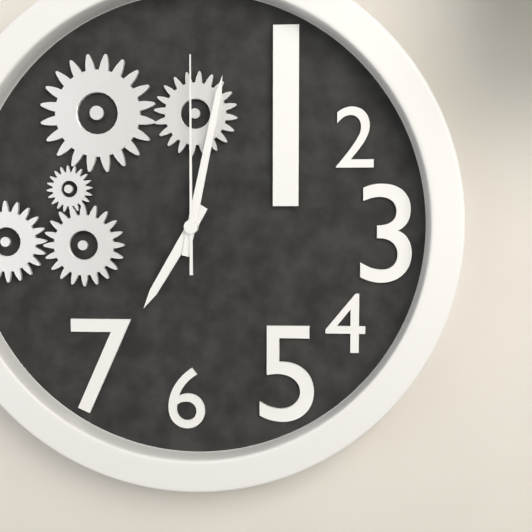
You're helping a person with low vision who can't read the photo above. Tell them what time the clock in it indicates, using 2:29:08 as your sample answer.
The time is 7:02:00
